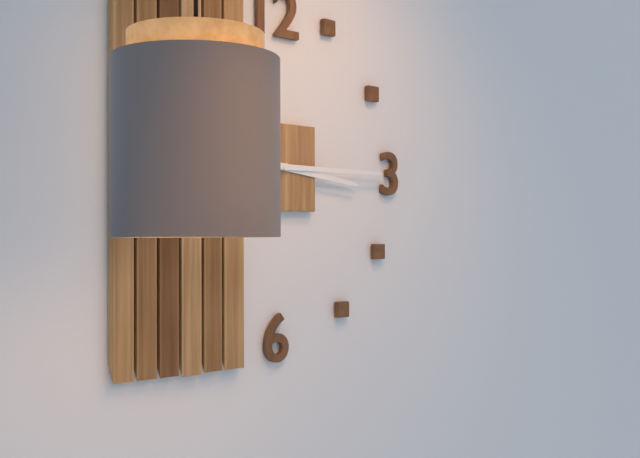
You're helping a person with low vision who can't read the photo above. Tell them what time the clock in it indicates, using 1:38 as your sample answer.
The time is 3:15
